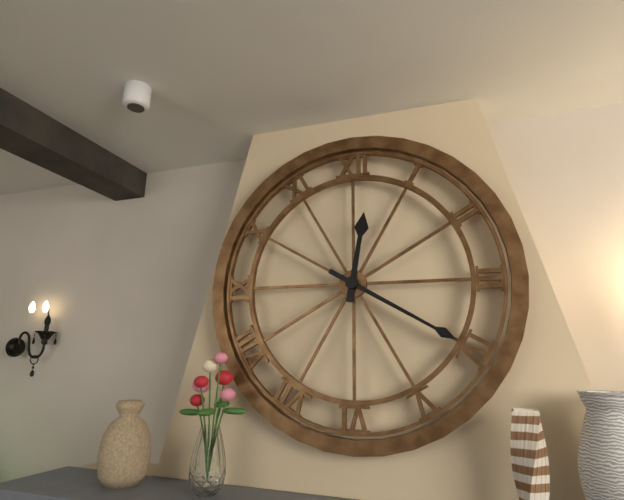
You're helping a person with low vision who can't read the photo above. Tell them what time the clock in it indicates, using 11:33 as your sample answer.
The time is 12:20
